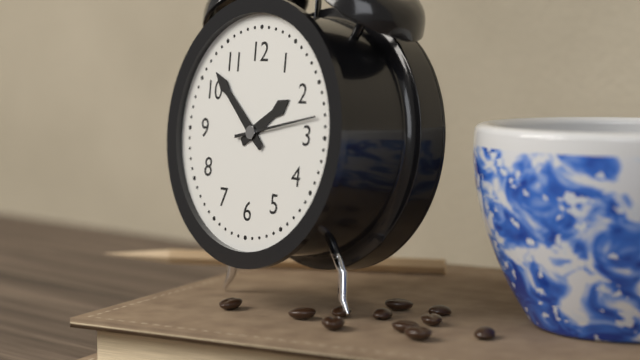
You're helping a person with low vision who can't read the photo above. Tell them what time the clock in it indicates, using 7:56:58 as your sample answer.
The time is 1:52:13
